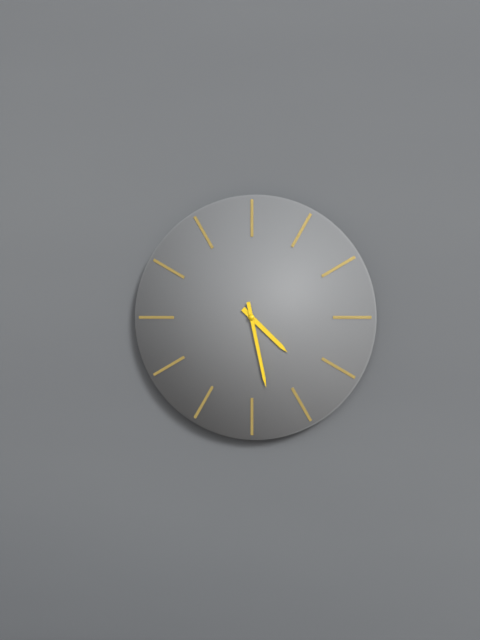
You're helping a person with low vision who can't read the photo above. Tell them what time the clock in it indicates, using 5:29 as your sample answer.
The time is 4:28
